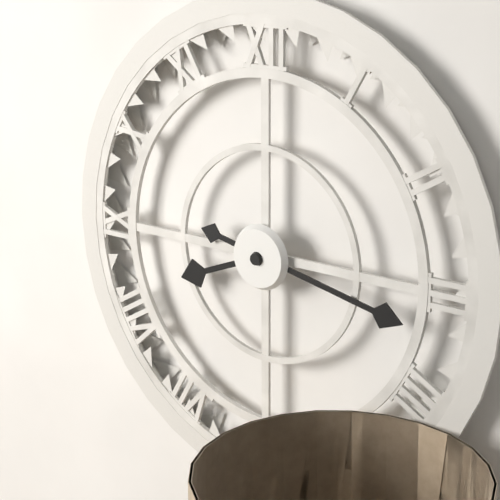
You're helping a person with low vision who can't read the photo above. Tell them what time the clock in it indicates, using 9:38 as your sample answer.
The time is 8:17
